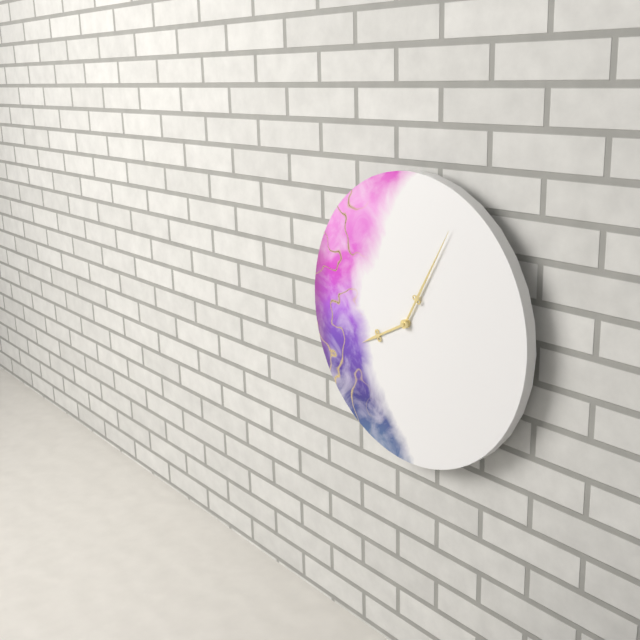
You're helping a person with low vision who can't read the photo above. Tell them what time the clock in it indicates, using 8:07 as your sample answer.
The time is 8:05
